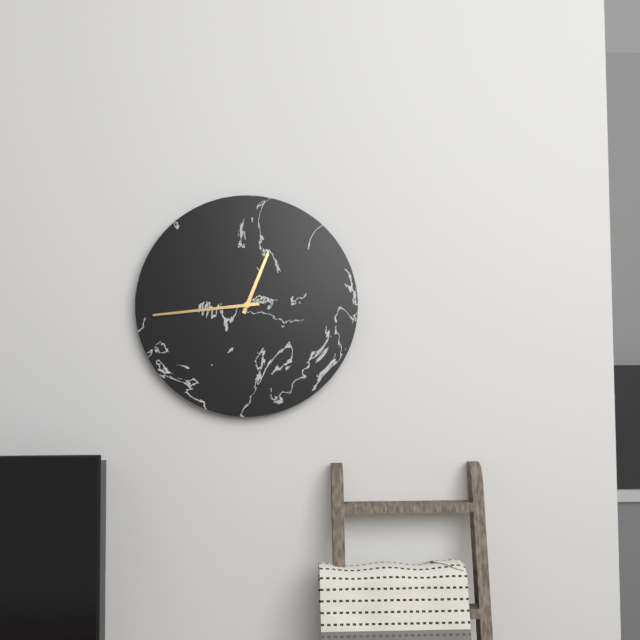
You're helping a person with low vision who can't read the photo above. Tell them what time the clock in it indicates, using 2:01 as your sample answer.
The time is 12:44
